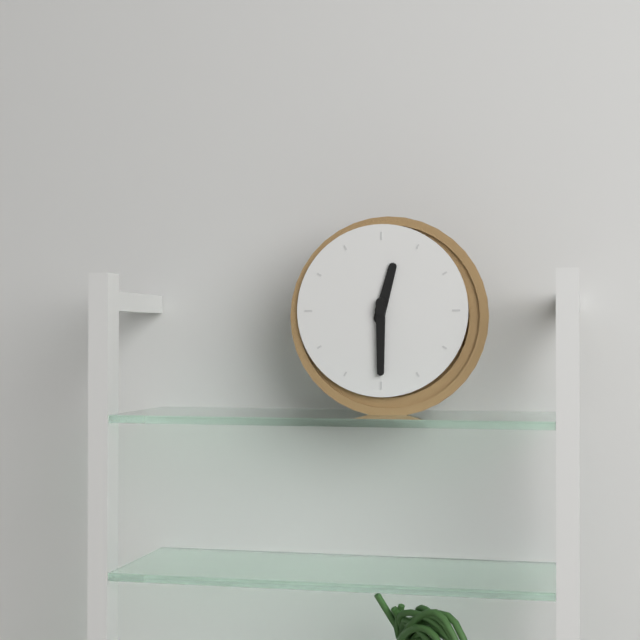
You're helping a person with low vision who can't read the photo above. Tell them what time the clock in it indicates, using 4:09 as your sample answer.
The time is 12:30
